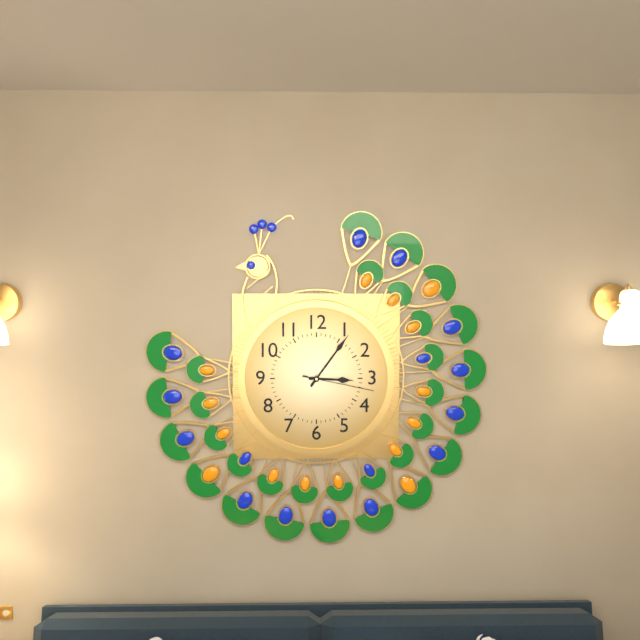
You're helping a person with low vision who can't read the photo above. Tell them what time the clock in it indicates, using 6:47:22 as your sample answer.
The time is 3:06:17
